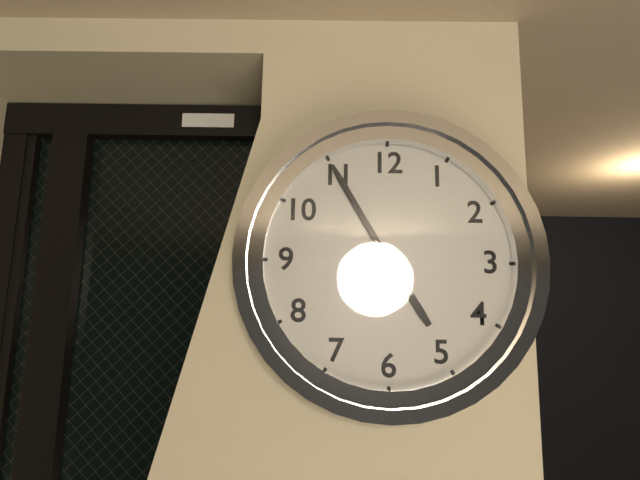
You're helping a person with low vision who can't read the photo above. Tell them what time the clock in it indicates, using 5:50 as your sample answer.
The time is 4:55
